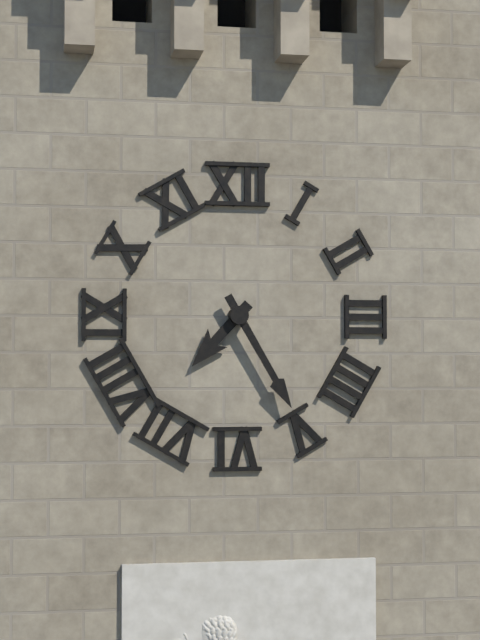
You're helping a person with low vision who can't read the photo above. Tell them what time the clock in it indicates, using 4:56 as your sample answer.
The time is 7:25
